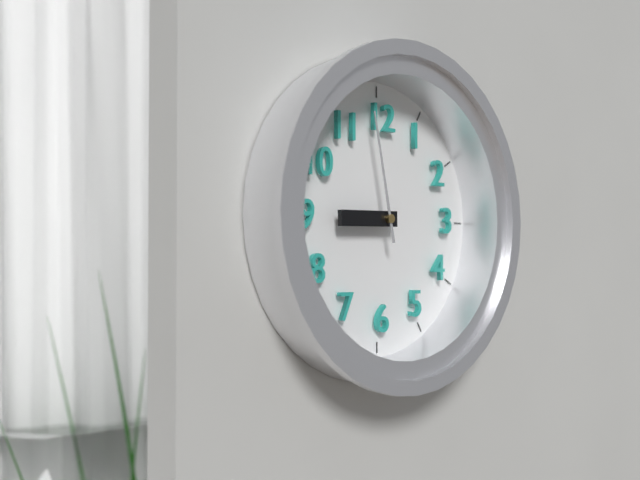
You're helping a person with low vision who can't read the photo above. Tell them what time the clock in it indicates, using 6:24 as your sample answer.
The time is 8:58
